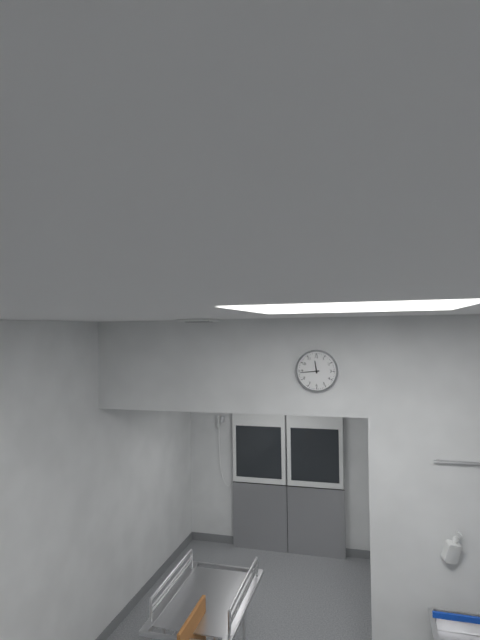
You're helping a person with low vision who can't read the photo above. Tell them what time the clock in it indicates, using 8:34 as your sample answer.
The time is 11:44
